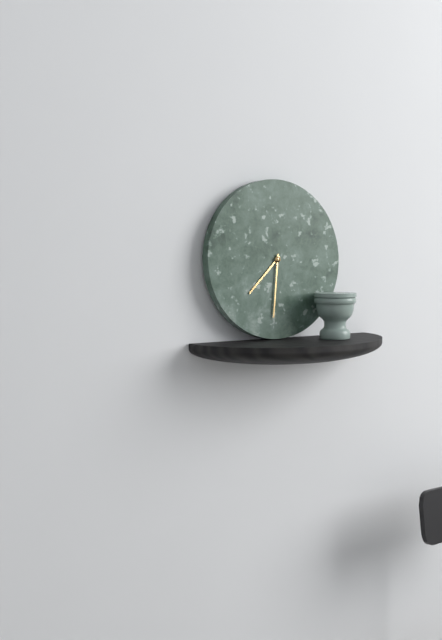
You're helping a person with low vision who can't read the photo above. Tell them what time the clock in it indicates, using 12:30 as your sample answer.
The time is 7:31
